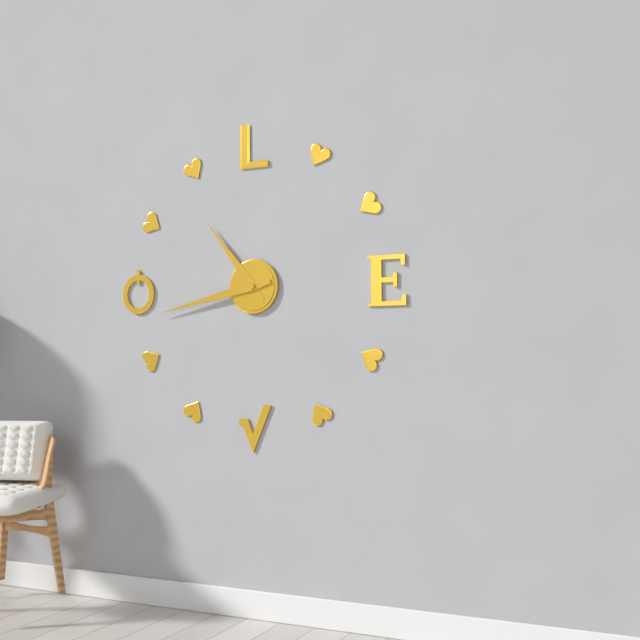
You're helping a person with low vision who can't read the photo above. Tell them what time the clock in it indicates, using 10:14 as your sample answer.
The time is 10:43
